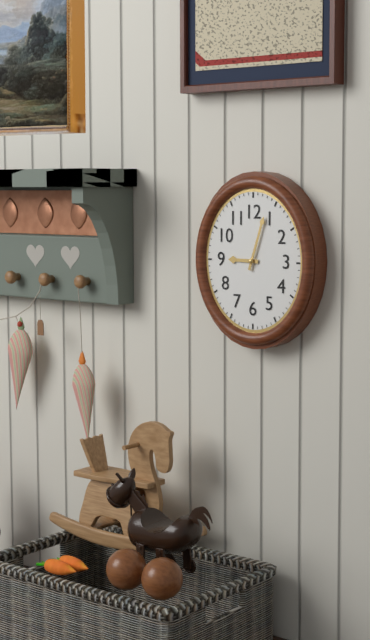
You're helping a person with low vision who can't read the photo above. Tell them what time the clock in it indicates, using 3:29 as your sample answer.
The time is 9:03
